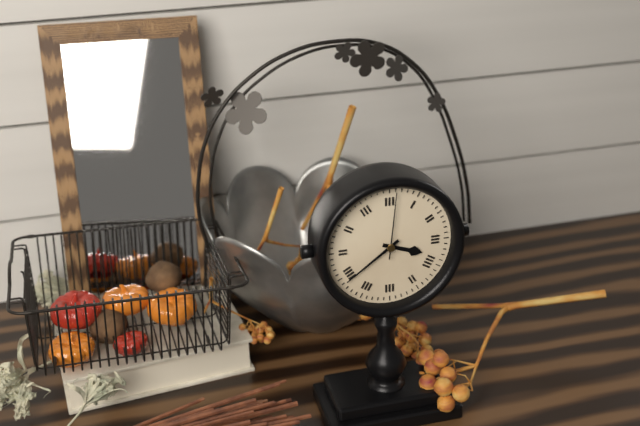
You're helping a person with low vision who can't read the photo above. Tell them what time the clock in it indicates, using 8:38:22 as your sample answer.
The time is 3:39:01
